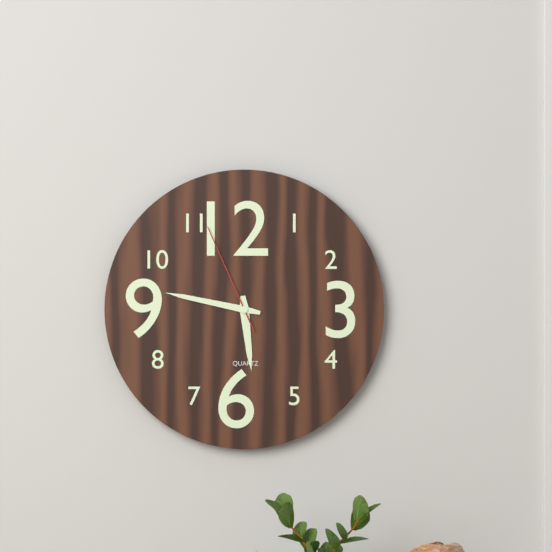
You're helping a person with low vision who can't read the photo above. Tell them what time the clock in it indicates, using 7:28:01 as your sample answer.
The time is 5:47:56
